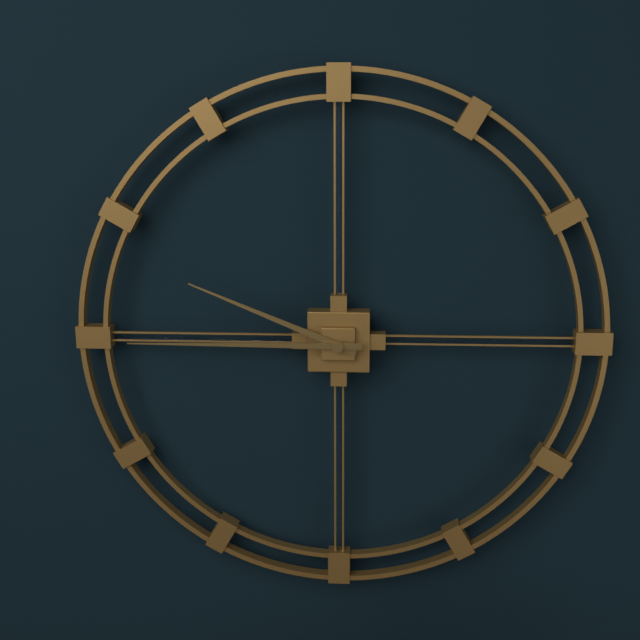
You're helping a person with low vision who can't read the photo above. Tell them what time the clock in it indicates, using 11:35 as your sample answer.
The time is 9:45
